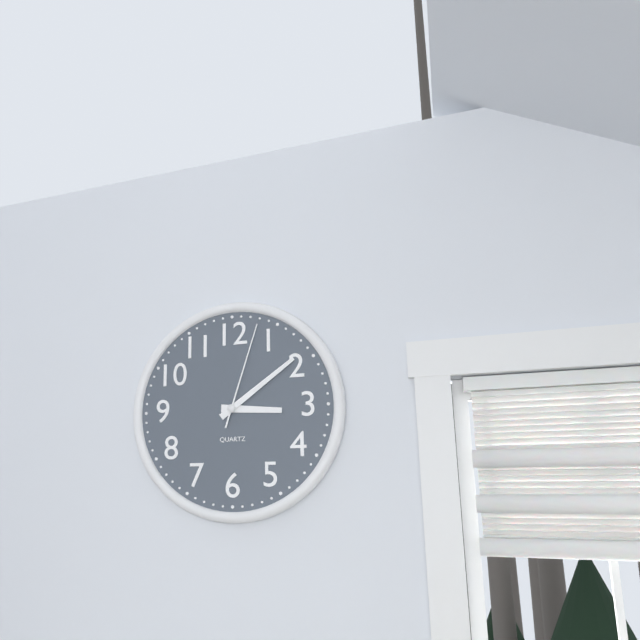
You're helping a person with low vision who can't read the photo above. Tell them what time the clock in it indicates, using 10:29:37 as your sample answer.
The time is 3:09:03
